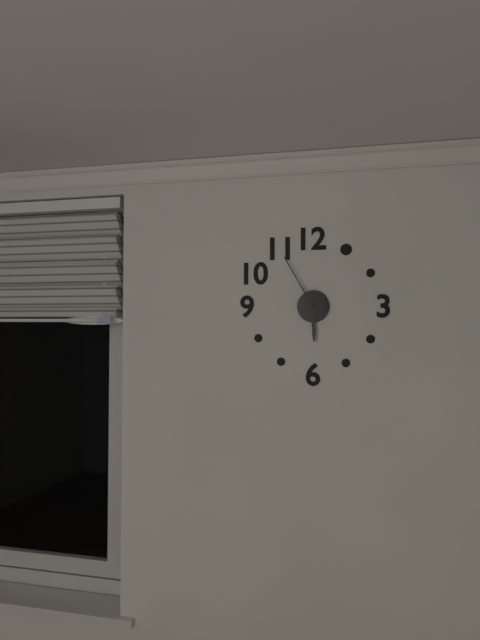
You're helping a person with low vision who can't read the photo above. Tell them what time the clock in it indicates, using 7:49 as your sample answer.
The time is 5:55
